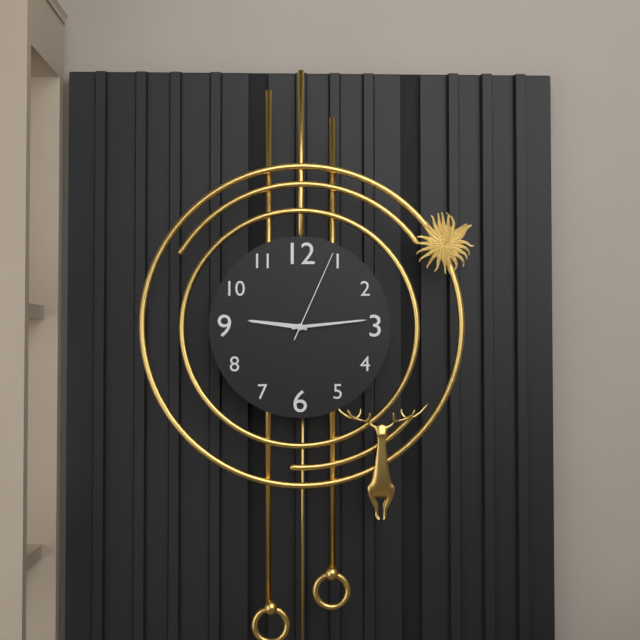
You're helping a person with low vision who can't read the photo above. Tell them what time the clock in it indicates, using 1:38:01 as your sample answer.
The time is 9:14:04
